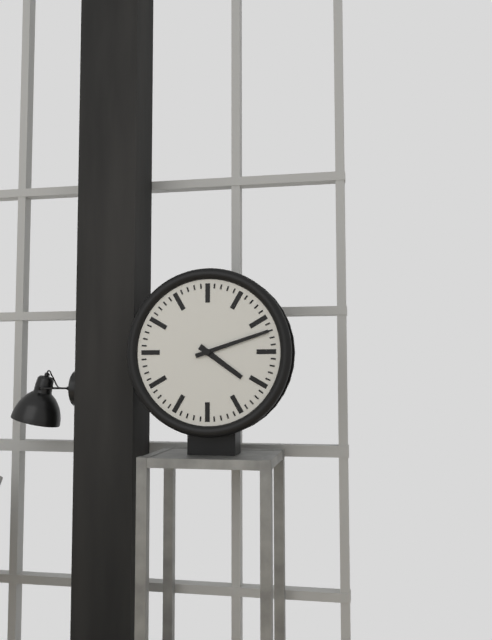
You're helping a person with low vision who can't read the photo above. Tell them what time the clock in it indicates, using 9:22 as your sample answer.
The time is 4:12
